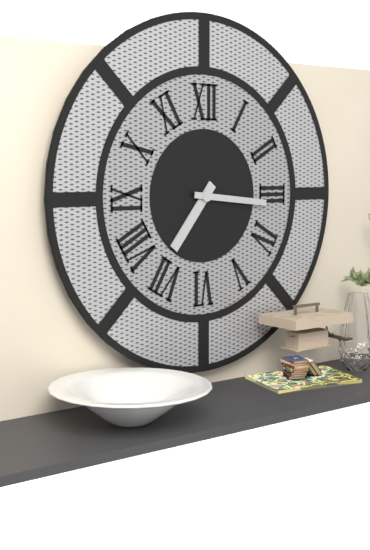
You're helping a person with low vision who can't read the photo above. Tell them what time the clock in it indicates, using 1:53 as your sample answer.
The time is 7:16
